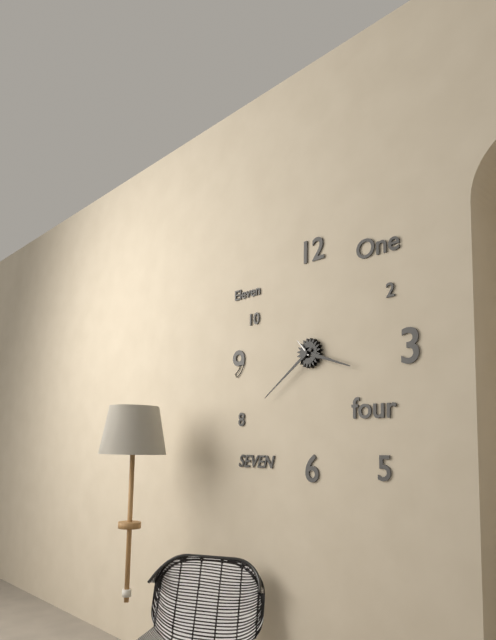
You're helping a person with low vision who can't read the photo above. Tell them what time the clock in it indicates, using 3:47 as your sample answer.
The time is 3:39
